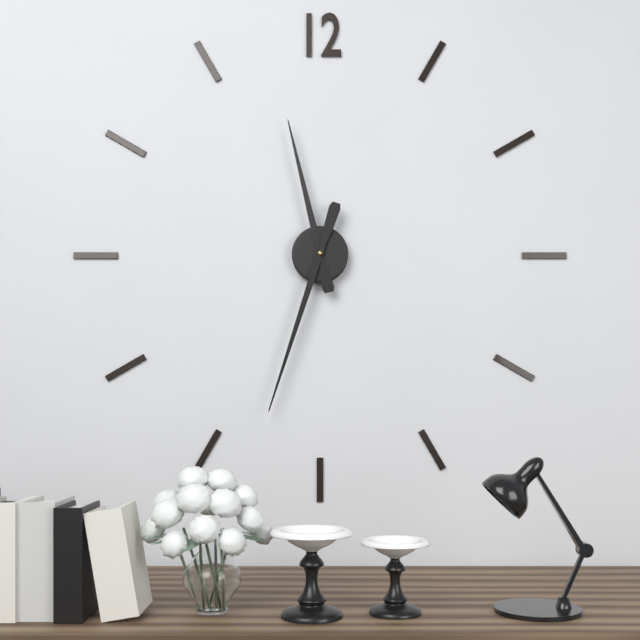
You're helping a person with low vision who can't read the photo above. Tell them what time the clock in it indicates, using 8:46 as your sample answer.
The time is 11:33
